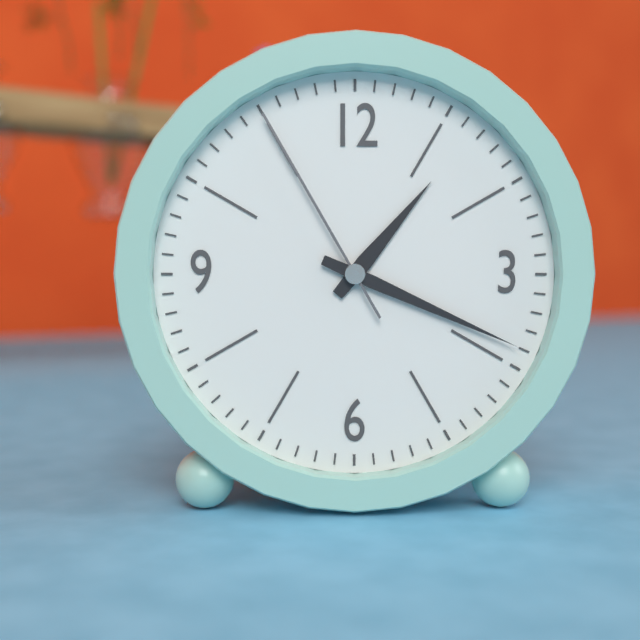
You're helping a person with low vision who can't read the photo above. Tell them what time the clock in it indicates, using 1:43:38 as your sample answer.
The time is 1:19:55
